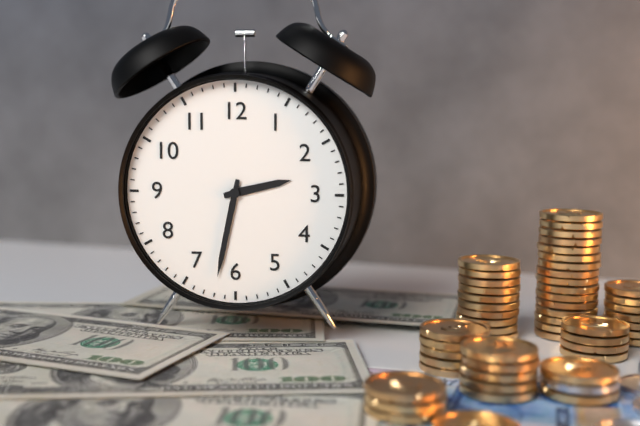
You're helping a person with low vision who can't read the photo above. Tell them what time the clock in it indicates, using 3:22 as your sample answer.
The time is 2:32
